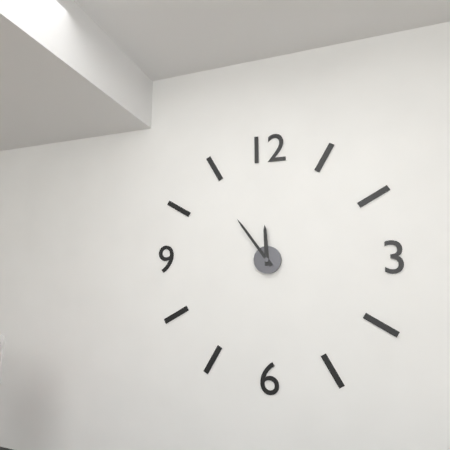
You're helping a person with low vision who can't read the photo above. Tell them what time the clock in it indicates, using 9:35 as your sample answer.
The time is 11:54
